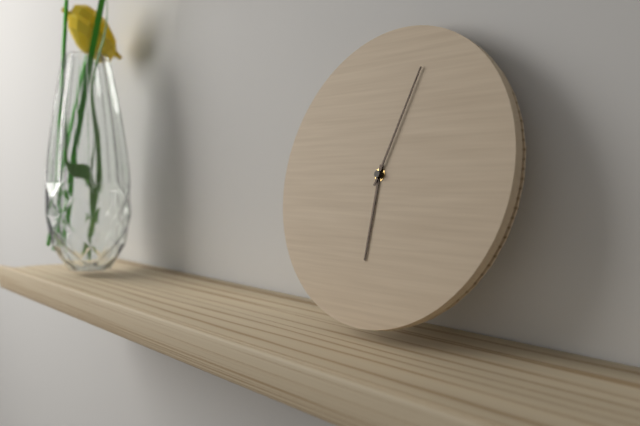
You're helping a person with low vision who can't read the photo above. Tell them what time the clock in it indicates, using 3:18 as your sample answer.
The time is 6:03
